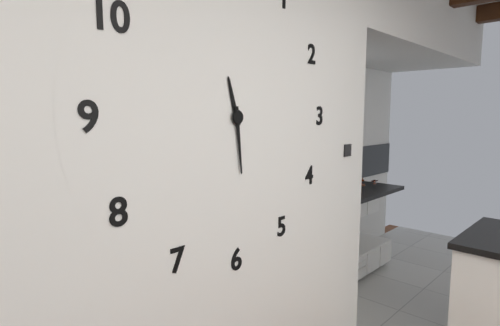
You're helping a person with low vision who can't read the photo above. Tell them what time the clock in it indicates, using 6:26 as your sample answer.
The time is 11:29
